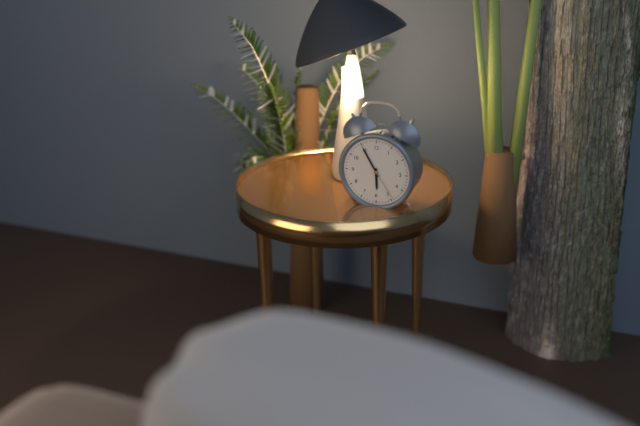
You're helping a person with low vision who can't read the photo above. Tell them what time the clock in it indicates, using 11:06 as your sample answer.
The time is 5:55
